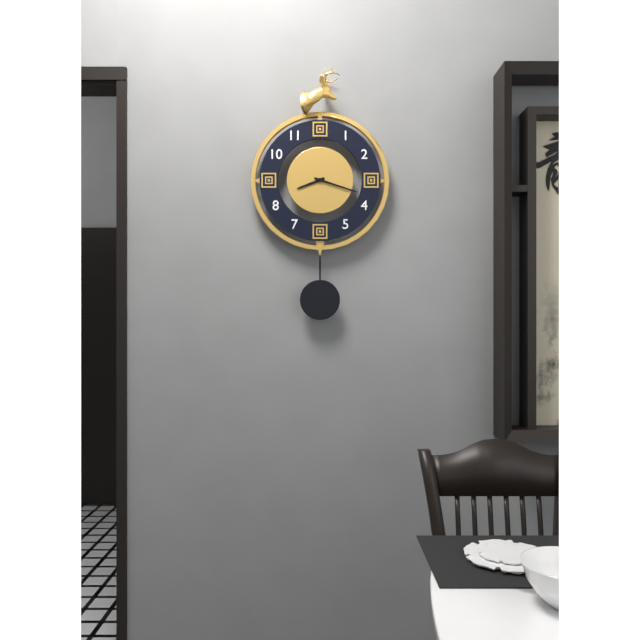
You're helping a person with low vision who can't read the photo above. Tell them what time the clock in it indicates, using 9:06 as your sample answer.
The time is 8:18
